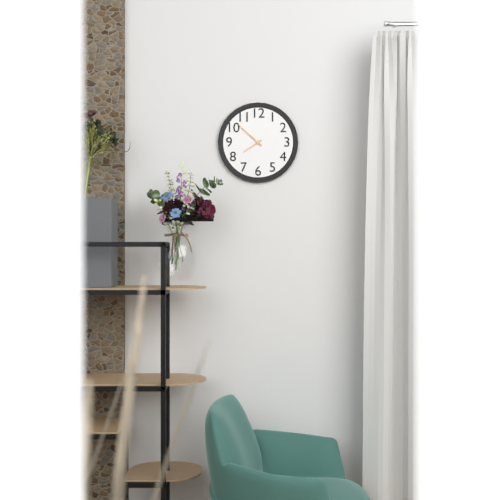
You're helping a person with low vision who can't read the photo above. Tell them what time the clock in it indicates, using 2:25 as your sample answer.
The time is 7:52
